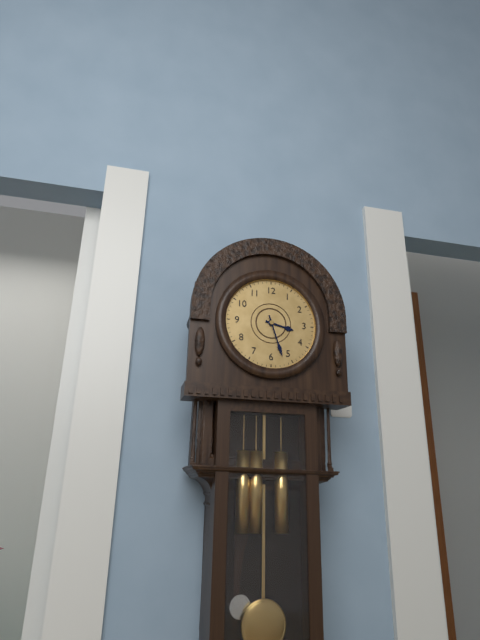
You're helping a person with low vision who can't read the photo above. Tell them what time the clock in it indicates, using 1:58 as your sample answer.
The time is 3:27
